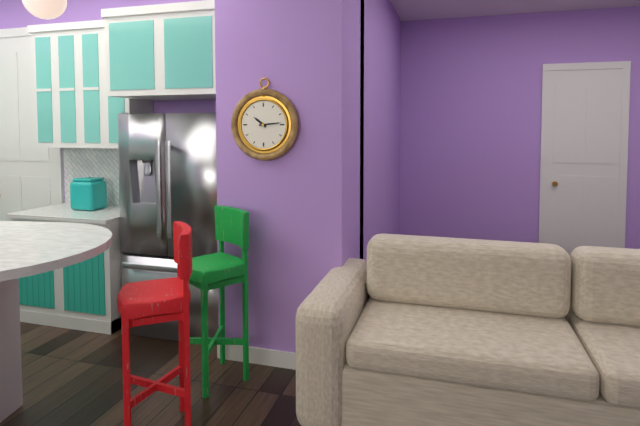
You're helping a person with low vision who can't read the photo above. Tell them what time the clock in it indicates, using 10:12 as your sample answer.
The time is 10:14
